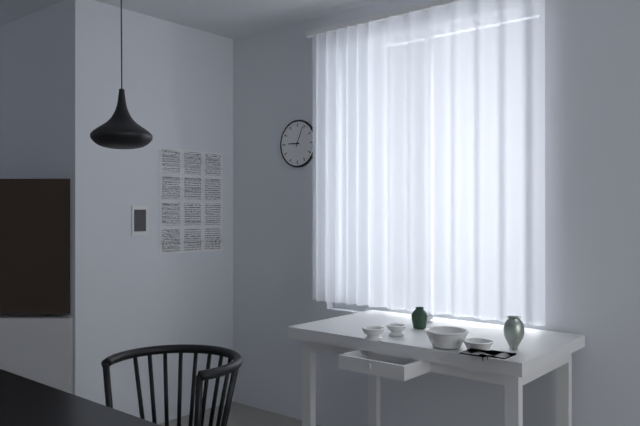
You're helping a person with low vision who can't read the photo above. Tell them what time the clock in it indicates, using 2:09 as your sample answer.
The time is 9:04
